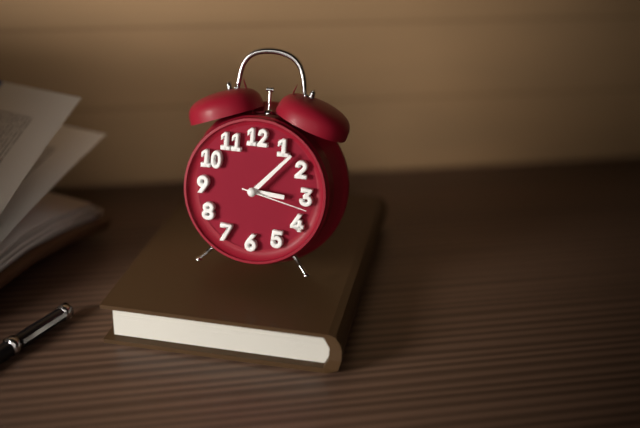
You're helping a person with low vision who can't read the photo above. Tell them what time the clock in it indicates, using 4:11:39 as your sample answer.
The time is 3:07:17
